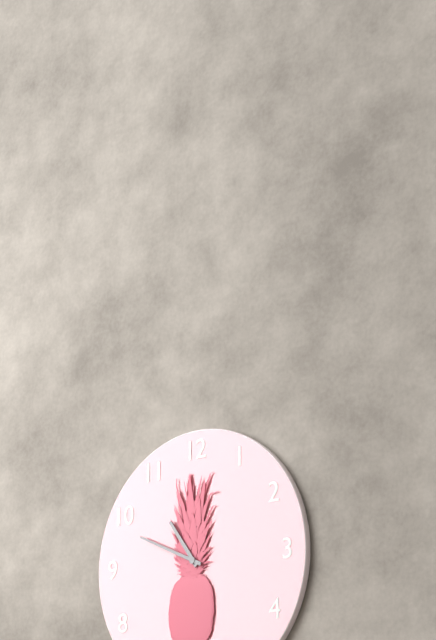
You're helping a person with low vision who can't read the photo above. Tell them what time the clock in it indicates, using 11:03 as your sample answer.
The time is 10:49
